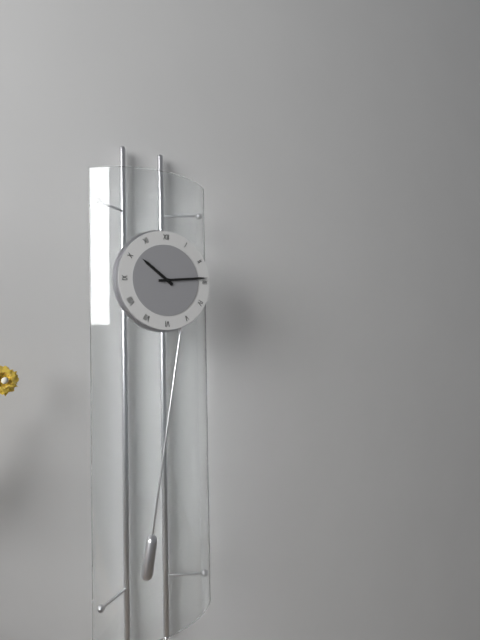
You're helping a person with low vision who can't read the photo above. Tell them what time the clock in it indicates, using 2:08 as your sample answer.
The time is 10:14
